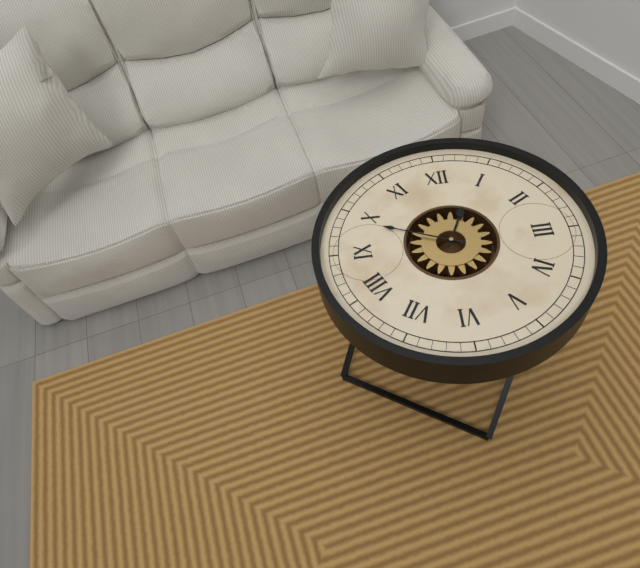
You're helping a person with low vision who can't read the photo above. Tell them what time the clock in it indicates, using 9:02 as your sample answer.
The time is 12:49
